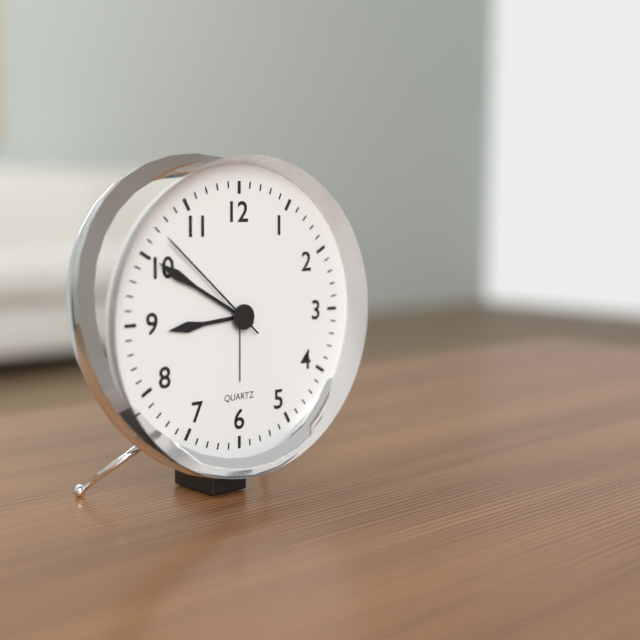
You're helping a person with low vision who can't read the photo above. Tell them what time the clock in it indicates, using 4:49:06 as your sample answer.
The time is 8:50:52
